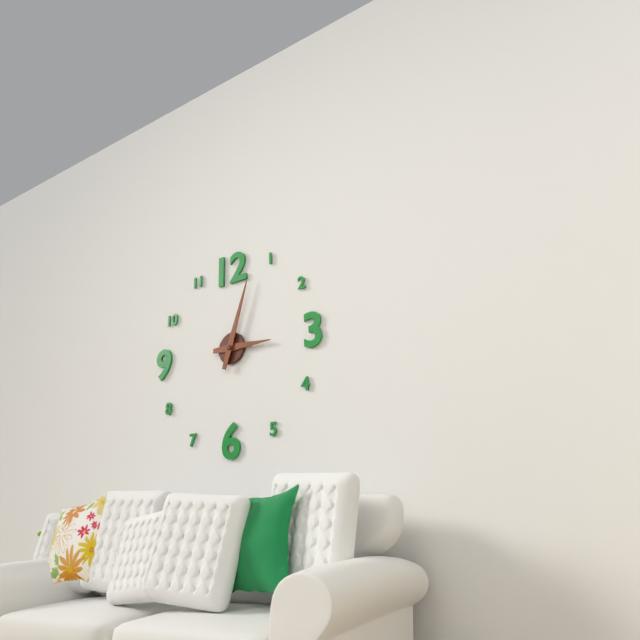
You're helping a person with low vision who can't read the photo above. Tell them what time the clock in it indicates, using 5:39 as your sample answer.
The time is 3:03
